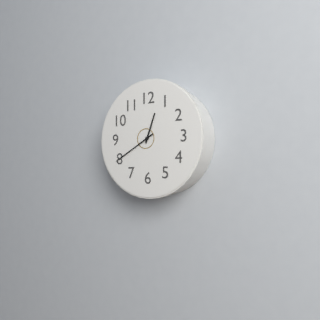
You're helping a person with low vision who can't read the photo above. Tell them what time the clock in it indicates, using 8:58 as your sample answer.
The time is 12:40
